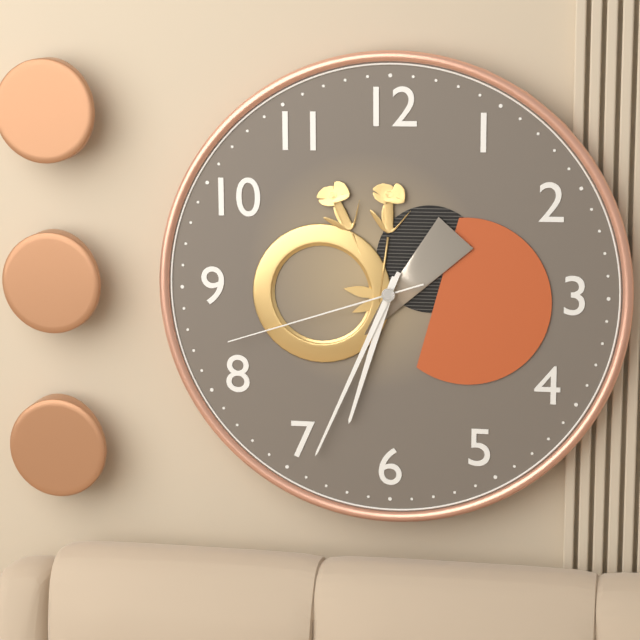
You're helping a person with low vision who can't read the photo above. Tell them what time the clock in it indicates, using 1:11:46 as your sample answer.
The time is 6:34:42
